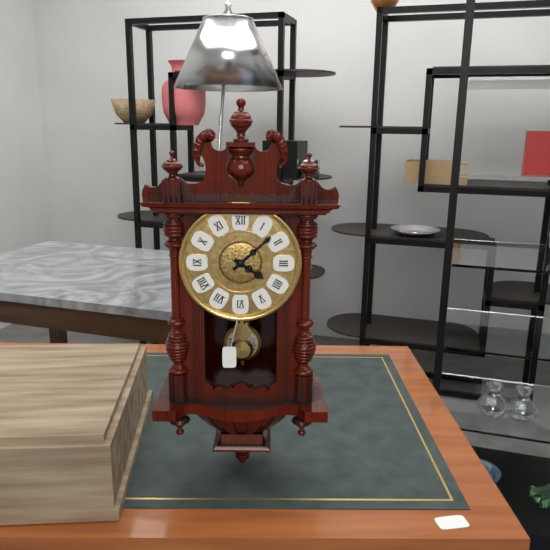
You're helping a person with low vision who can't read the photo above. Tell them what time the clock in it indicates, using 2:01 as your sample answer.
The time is 4:08
